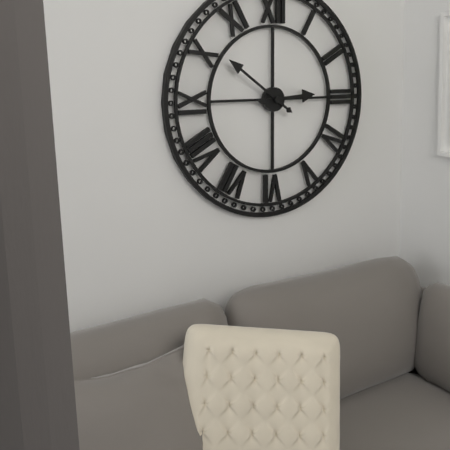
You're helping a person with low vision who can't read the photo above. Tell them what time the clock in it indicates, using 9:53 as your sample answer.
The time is 2:51
